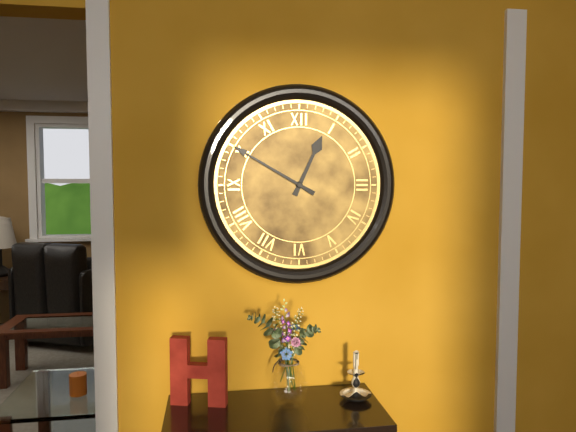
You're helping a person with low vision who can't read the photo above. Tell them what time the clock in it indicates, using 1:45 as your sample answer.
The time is 12:50
